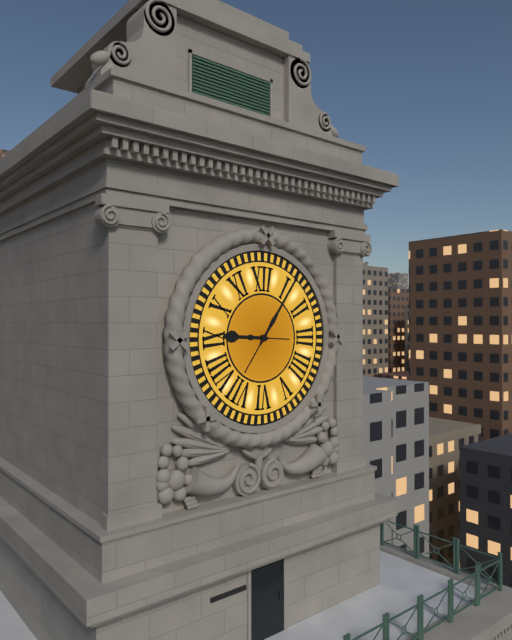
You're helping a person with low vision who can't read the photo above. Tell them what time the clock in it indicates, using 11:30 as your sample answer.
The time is 9:06
